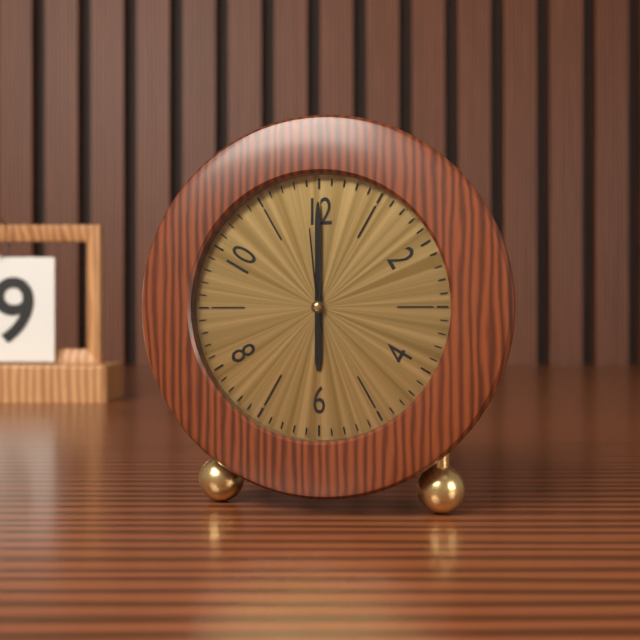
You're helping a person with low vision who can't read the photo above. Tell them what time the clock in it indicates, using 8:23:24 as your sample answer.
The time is 6:00:59
